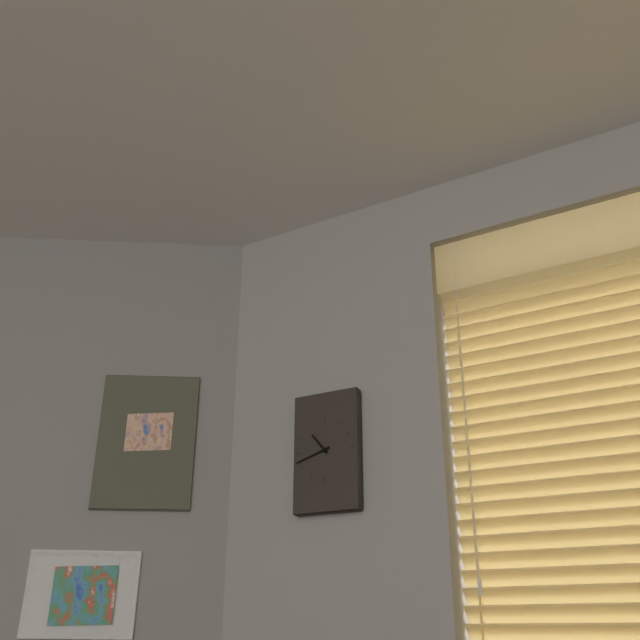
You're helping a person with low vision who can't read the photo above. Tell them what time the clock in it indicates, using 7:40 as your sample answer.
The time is 10:42
